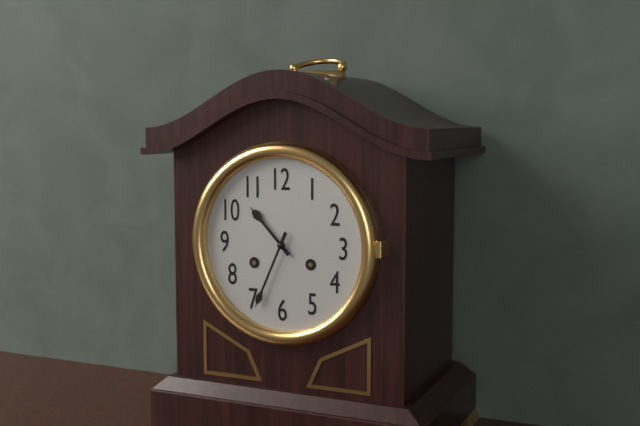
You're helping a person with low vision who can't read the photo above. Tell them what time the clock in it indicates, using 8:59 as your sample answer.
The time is 10:34
